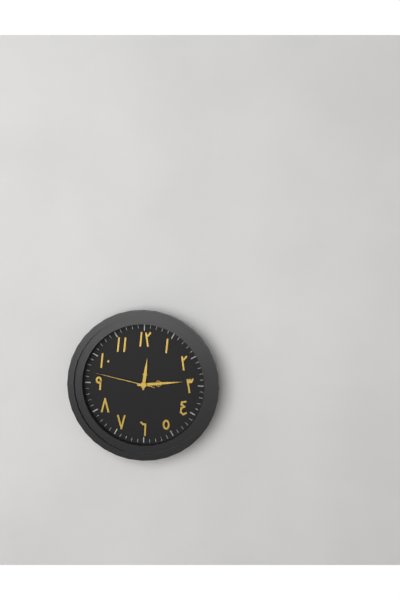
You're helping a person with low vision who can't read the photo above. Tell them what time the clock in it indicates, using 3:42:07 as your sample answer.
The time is 12:14:47
